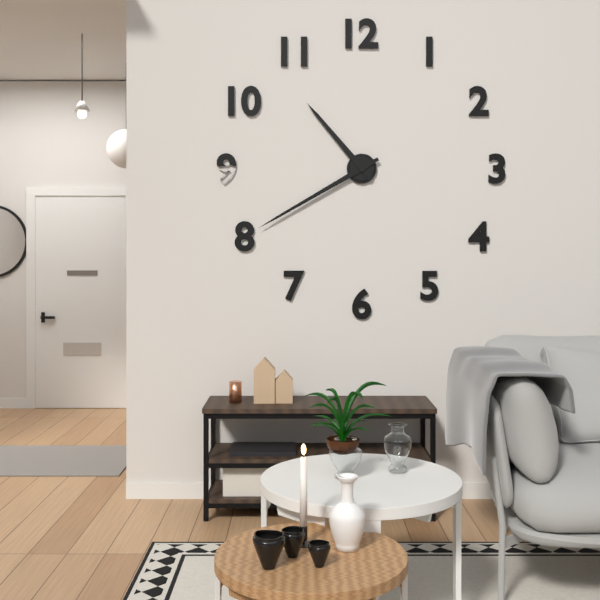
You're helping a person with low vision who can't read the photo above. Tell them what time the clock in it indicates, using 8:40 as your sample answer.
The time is 10:40
